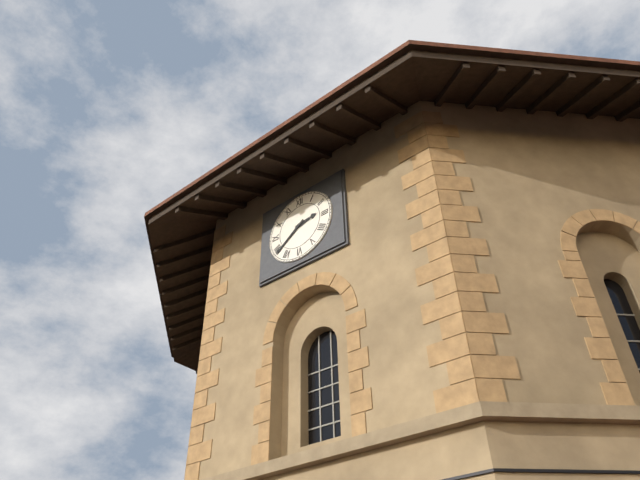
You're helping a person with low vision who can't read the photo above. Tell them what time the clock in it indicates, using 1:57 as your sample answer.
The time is 2:39
